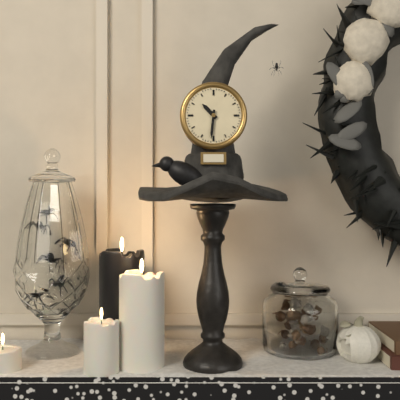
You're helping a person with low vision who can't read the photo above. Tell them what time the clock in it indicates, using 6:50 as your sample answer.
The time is 10:31
